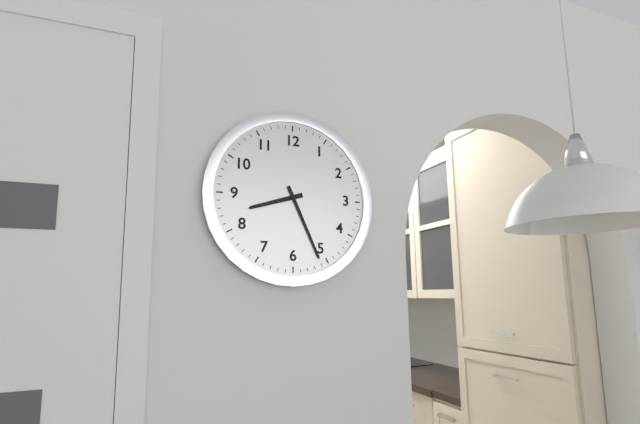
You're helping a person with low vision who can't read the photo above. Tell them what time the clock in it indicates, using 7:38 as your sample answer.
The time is 8:26
